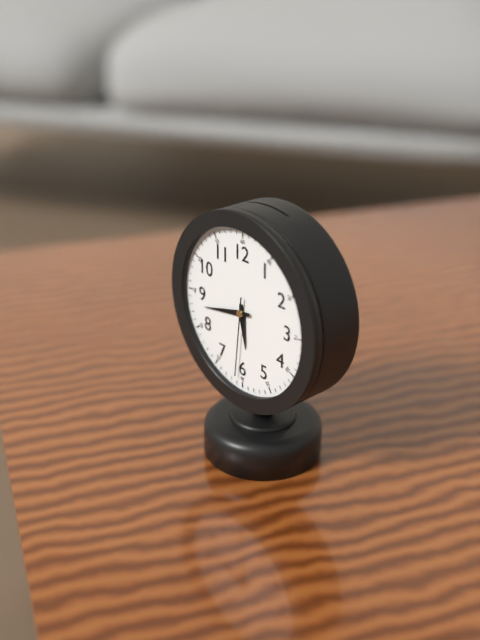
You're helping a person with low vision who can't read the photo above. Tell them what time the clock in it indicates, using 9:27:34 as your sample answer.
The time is 5:43:31
